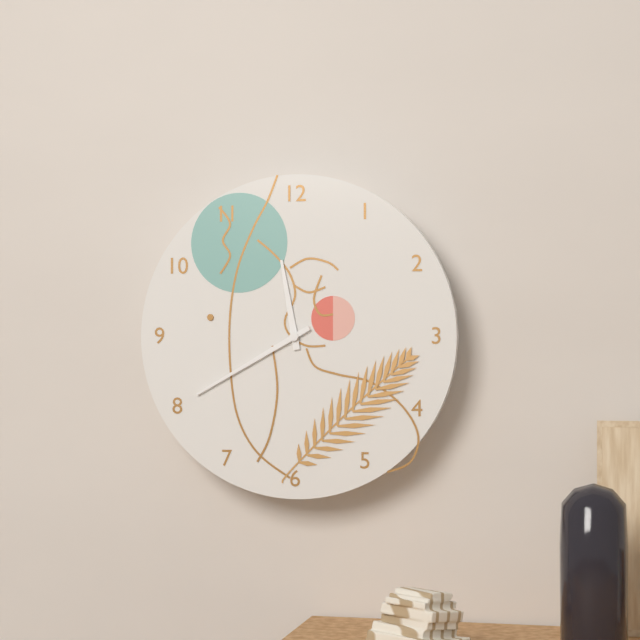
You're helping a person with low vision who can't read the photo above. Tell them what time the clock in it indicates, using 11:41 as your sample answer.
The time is 11:40
